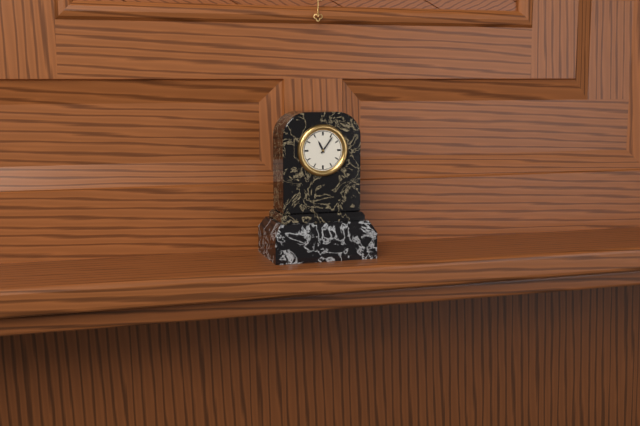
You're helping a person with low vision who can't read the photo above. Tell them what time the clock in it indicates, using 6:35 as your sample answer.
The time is 11:06
